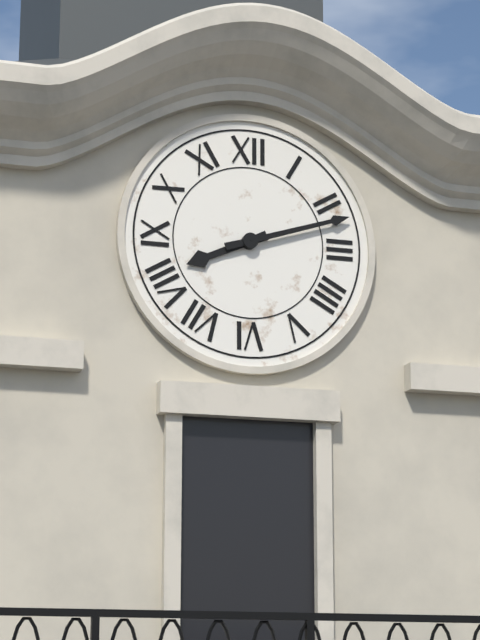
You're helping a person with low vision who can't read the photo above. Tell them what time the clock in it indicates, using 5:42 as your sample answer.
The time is 8:12
